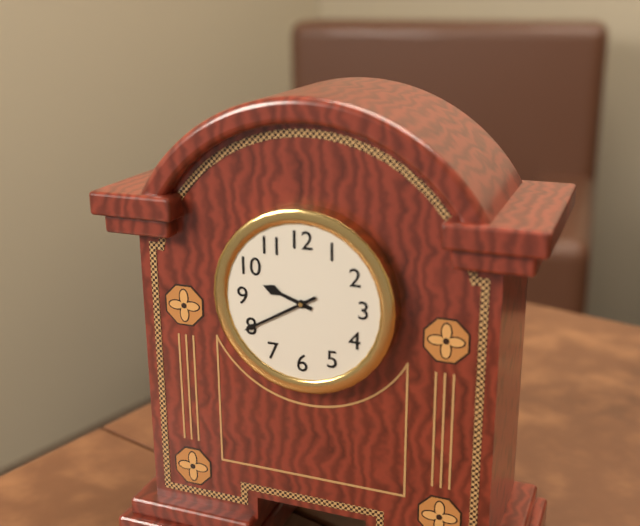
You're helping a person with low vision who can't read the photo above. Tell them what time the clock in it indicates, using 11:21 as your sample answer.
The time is 9:40
